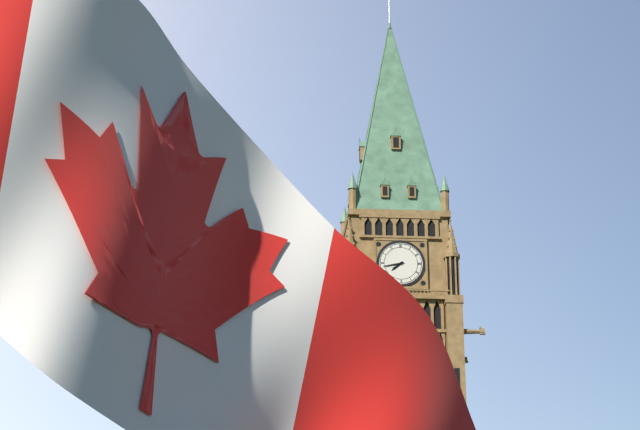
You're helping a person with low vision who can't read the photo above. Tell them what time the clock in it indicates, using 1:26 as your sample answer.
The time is 7:43
